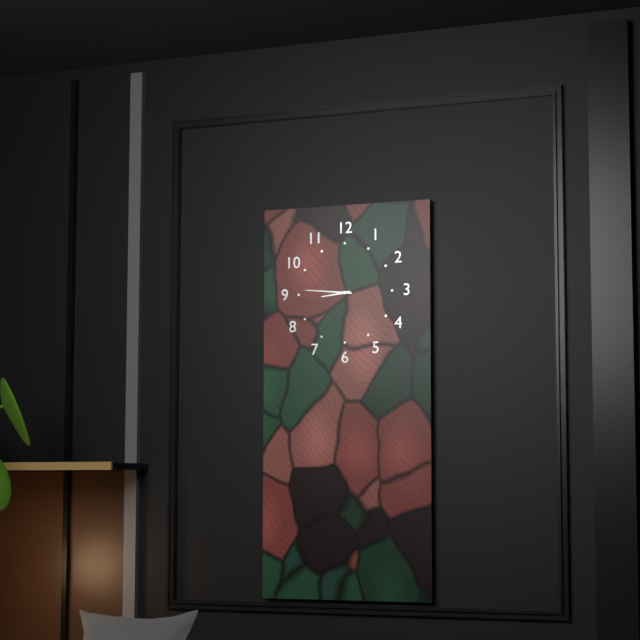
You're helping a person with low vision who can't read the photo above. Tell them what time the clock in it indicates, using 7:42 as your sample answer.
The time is 8:46
